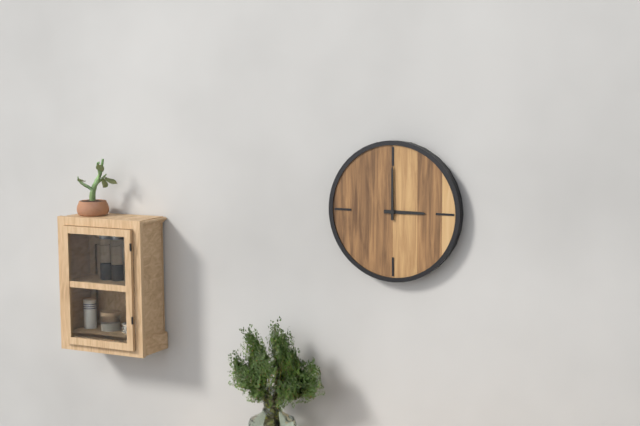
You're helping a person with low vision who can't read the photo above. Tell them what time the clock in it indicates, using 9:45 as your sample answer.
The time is 3:00
